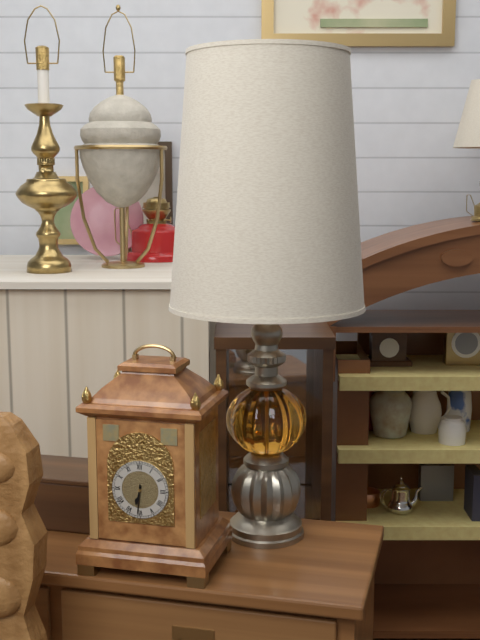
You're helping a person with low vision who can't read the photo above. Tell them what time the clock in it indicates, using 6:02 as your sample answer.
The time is 6:31
